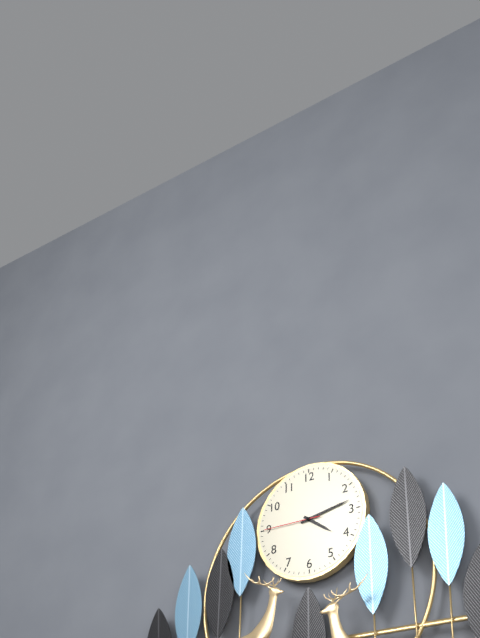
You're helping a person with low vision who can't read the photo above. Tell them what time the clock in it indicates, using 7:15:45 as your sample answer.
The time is 4:13:45
